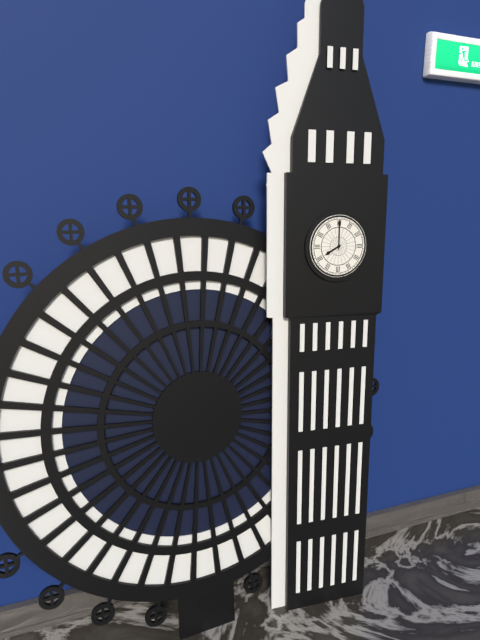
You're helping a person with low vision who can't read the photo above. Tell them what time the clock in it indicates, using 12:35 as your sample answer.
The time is 8:00
